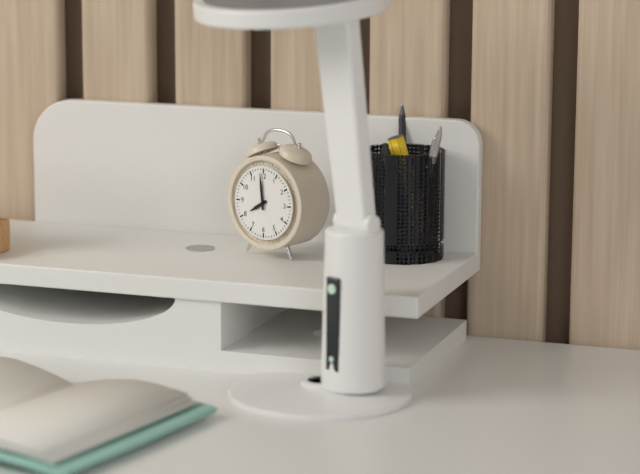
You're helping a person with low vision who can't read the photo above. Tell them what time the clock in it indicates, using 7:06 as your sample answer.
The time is 7:59
